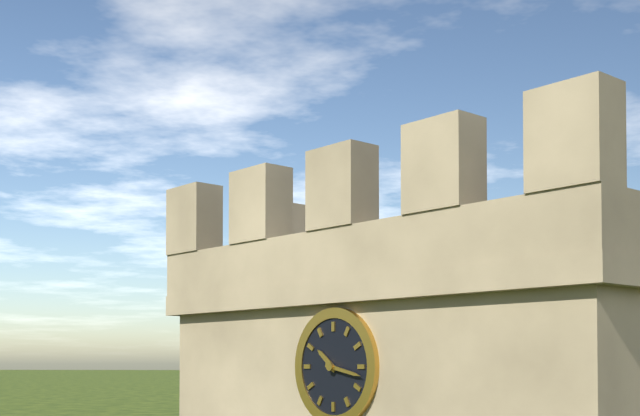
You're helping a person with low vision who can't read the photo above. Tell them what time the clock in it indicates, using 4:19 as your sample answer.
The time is 10:17
